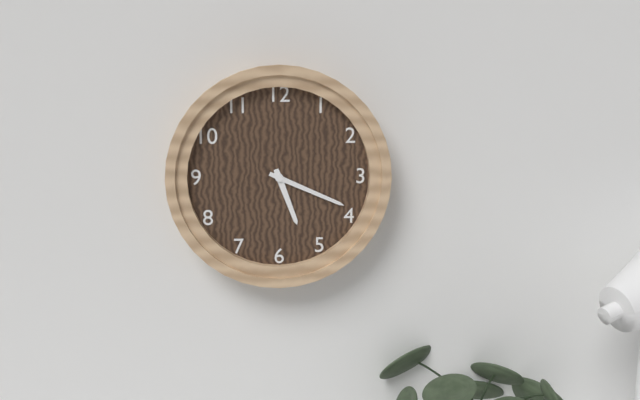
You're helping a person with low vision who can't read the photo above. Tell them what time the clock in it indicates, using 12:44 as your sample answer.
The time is 5:19
